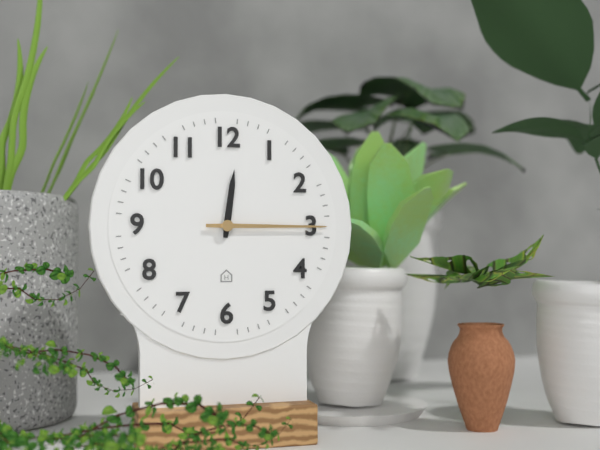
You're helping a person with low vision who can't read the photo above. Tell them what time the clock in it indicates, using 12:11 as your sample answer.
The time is 12:15
